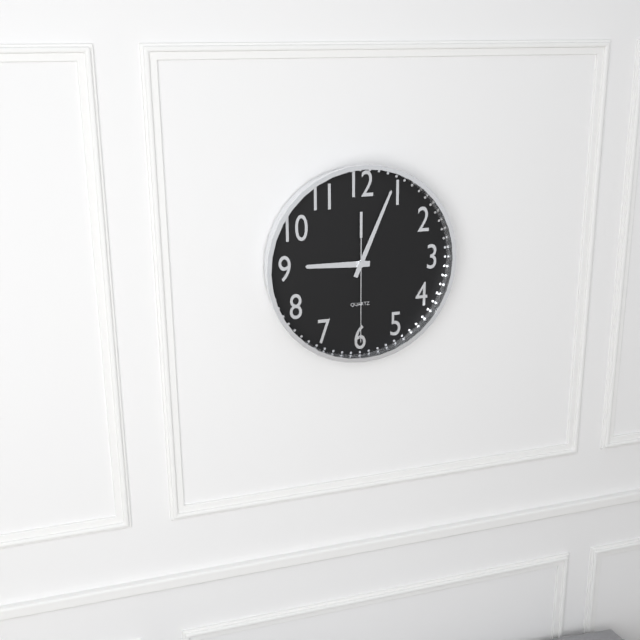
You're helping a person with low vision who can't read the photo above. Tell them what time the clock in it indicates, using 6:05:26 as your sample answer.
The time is 9:04:30
